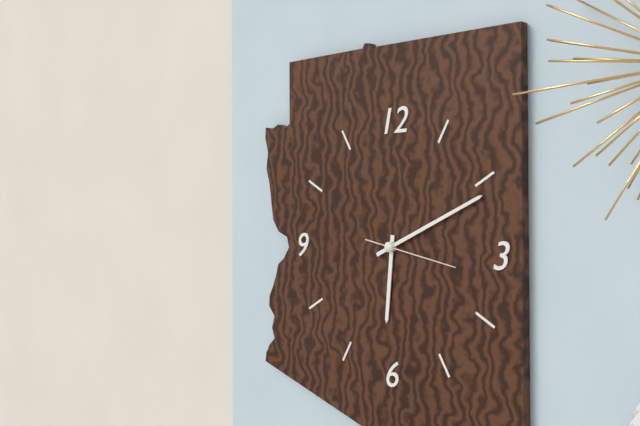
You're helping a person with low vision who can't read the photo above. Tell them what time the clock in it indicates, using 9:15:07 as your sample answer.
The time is 6:11:17
